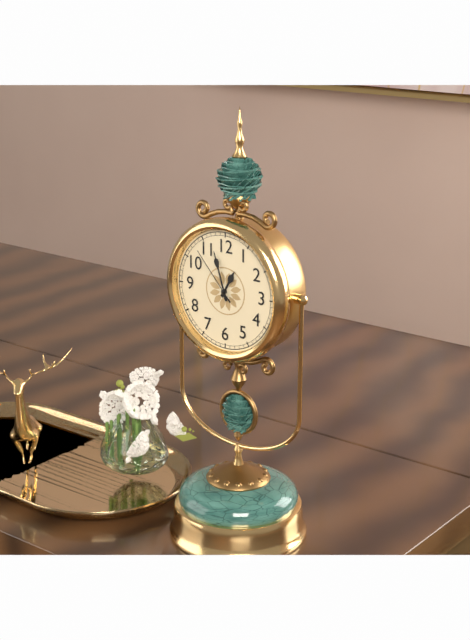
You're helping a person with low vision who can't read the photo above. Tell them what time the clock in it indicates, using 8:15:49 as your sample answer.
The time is 12:57:53
